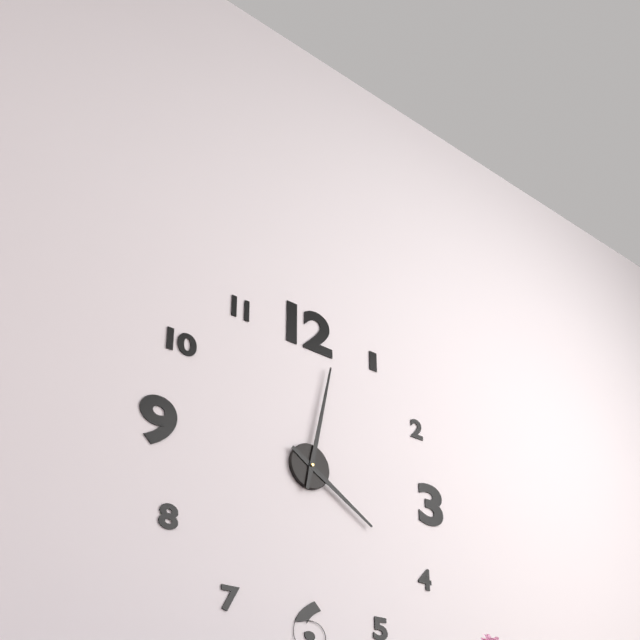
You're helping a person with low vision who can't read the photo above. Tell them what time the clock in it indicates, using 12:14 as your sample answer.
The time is 4:02
